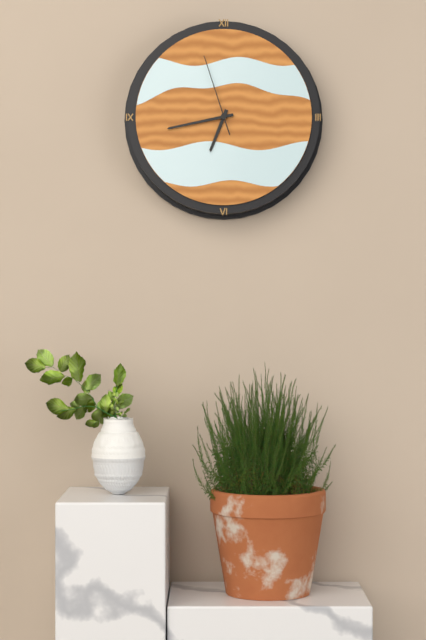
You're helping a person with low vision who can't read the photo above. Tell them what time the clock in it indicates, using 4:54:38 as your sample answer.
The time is 6:43:57
